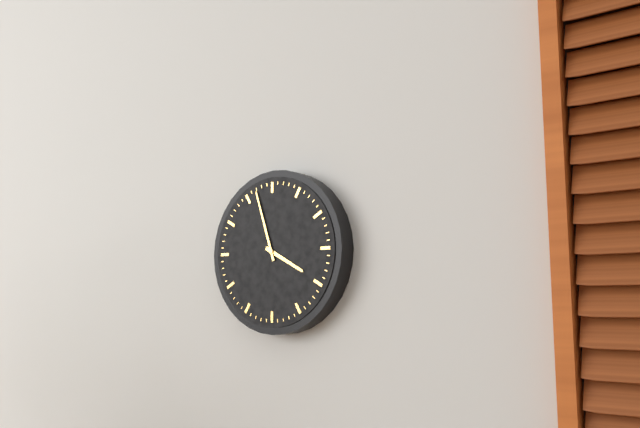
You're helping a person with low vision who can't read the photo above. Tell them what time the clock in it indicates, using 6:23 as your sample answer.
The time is 3:57
